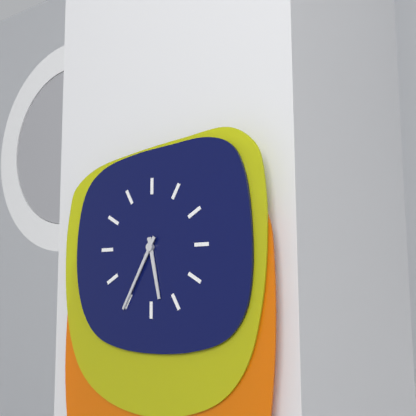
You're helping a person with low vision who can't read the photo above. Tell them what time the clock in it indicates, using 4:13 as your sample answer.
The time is 5:35
